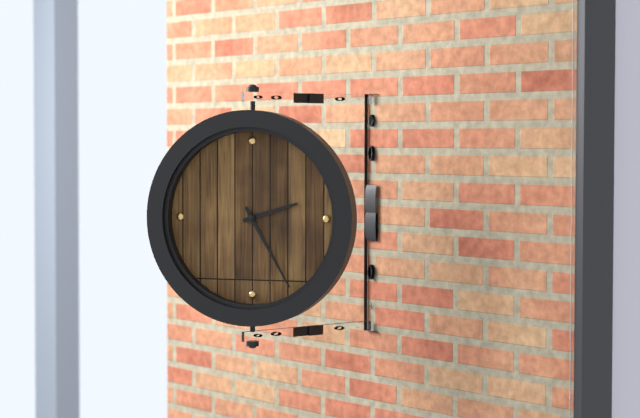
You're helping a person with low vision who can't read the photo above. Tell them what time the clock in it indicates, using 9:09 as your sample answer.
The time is 2:25
